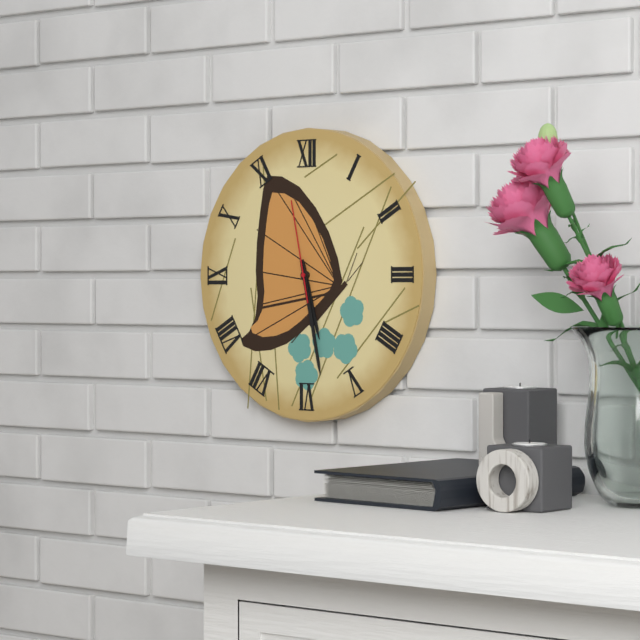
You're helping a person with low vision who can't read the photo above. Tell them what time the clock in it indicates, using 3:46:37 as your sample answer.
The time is 5:28:58
